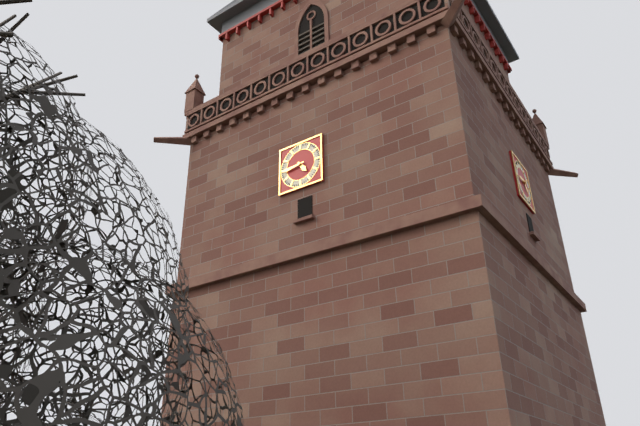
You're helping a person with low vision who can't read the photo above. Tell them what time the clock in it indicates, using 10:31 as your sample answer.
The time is 4:44
